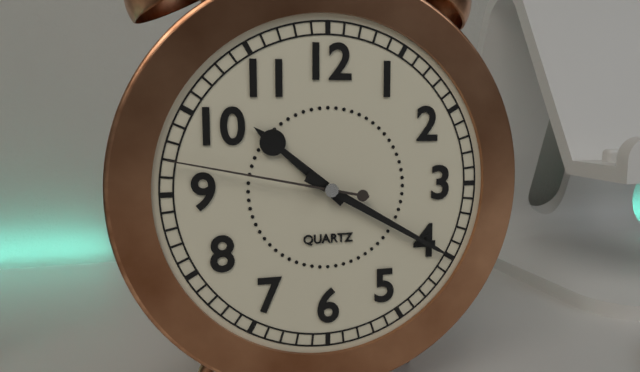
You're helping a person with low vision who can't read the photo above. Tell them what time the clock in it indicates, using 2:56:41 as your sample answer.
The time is 10:20:47
